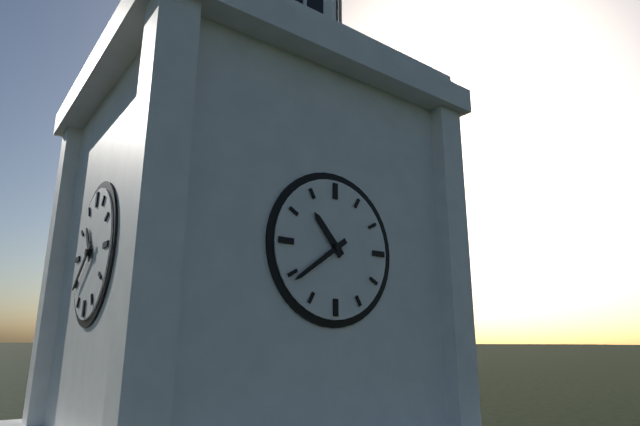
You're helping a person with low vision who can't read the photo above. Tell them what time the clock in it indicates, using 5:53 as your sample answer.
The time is 10:39
